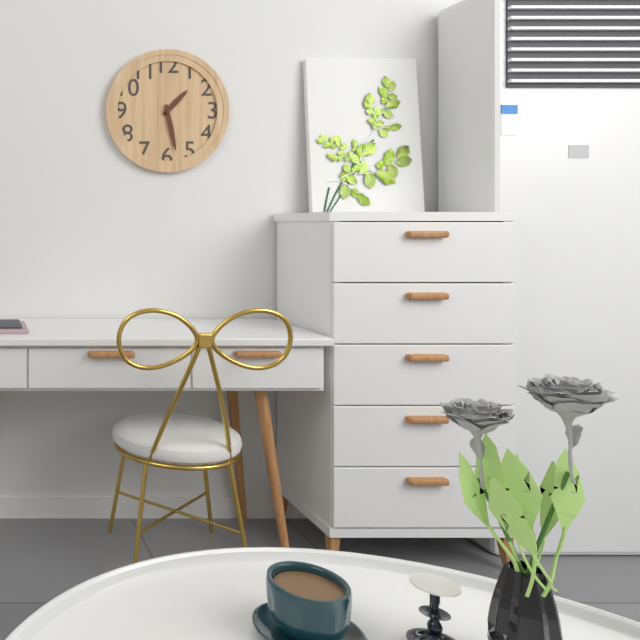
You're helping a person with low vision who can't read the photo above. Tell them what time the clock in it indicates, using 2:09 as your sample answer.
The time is 1:28
